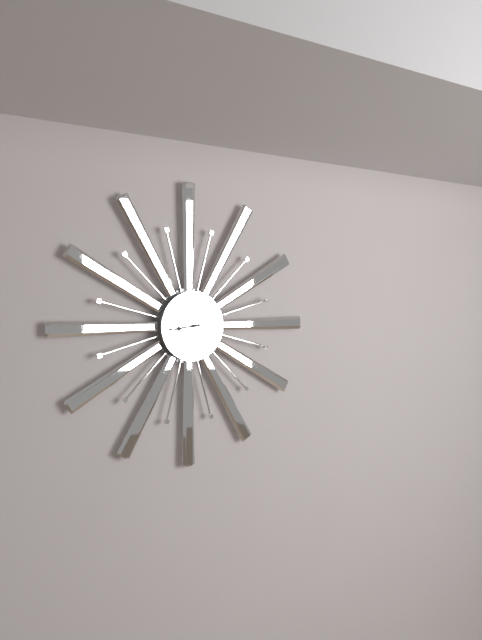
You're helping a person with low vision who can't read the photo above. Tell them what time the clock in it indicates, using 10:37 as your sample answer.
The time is 8:44
